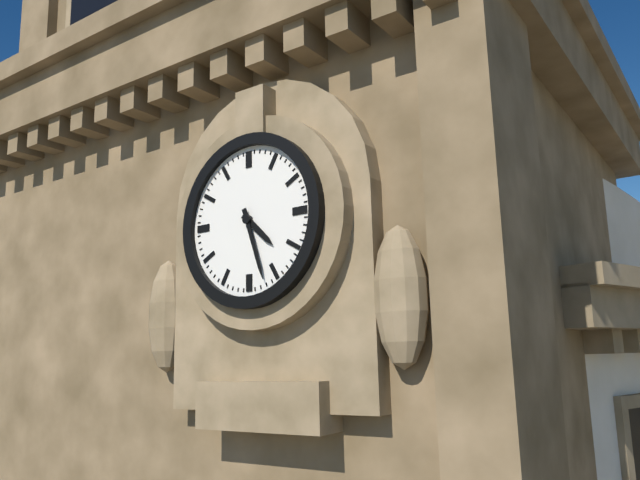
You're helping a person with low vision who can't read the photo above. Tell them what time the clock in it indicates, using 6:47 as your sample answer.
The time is 4:27
